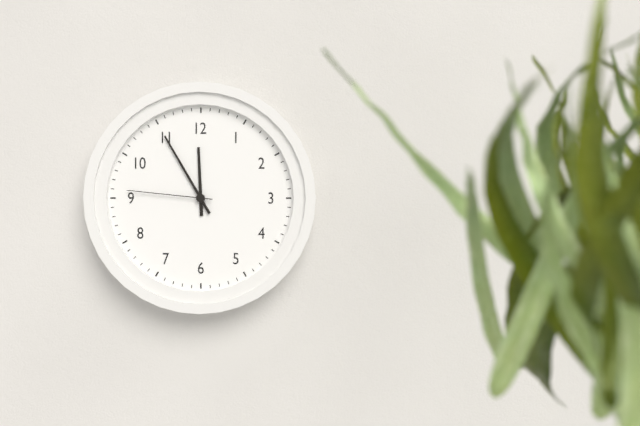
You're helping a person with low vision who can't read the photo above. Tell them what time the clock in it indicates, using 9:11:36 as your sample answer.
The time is 11:55:46
